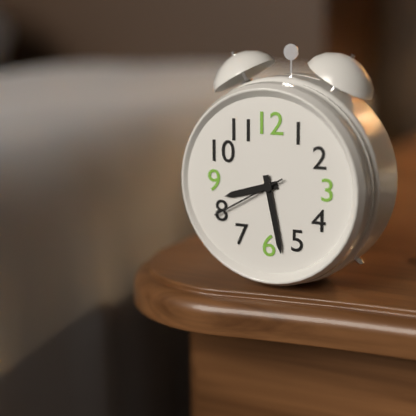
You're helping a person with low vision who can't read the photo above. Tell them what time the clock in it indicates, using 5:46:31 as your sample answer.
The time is 8:28:40
